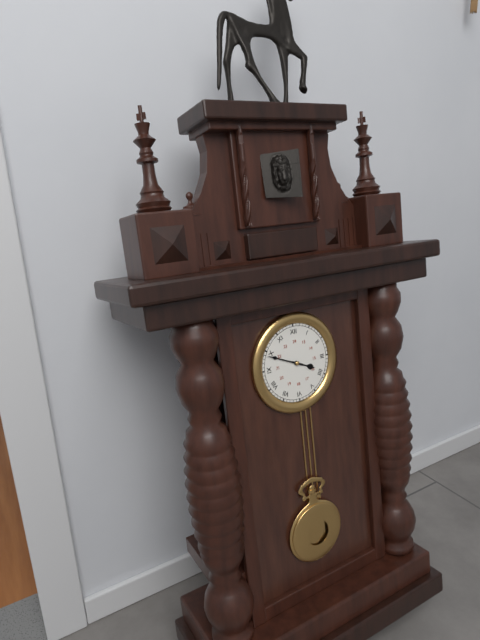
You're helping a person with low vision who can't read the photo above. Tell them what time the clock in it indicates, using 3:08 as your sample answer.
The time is 3:49
